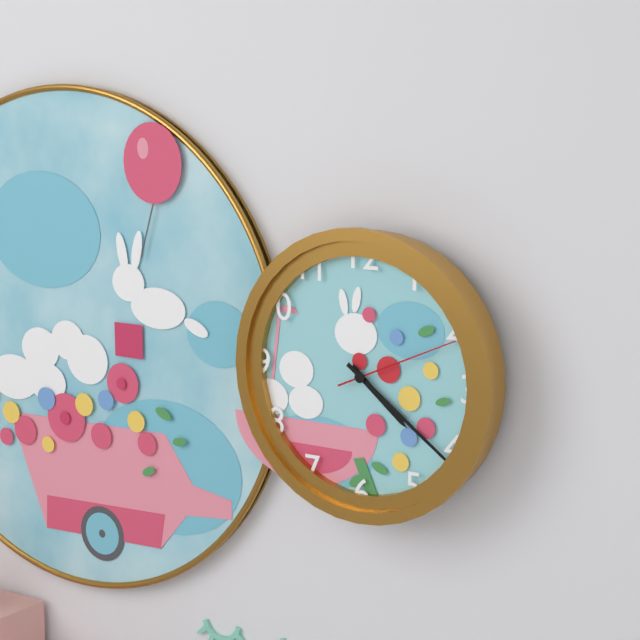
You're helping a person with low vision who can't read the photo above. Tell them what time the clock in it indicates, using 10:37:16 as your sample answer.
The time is 4:21:11
